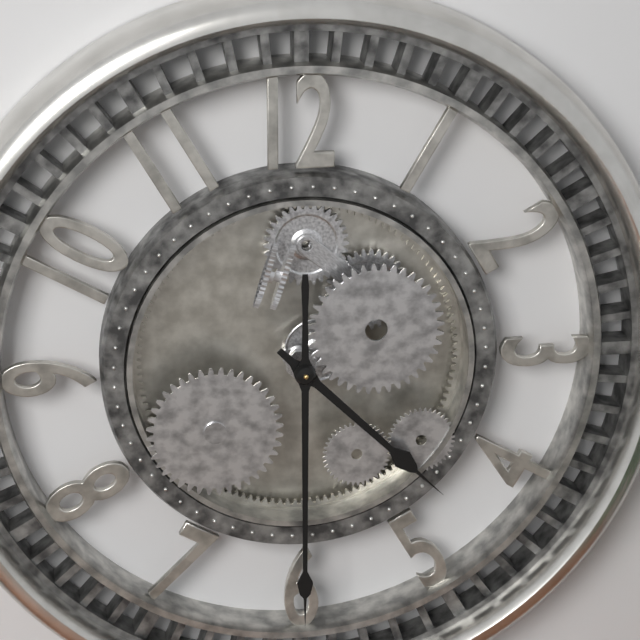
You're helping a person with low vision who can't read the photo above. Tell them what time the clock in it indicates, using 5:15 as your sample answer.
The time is 4:30
